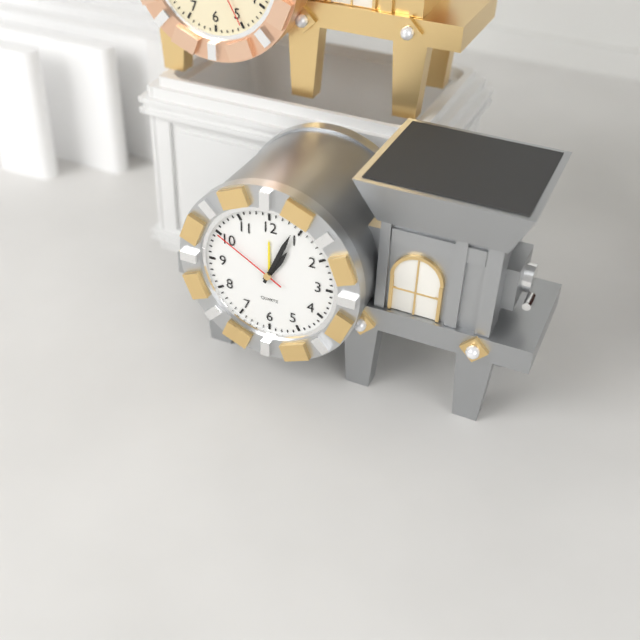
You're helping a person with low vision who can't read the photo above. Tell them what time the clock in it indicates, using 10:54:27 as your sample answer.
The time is 1:04:50
